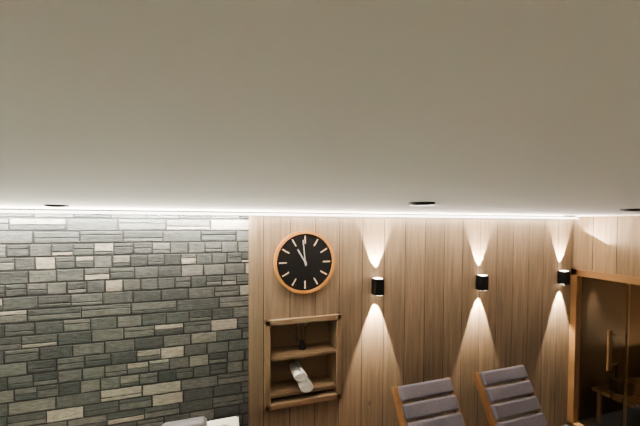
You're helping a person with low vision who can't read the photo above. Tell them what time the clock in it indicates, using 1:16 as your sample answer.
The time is 10:59
